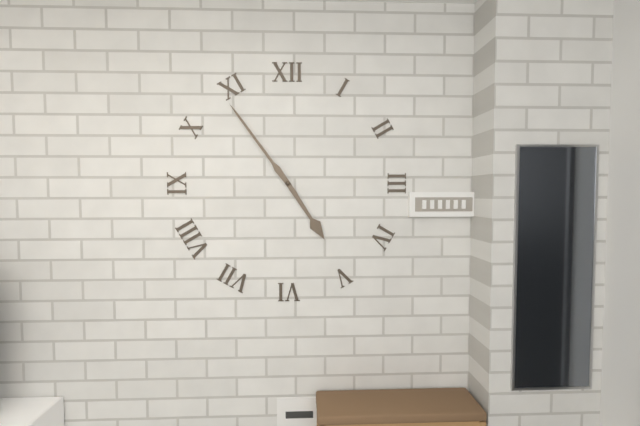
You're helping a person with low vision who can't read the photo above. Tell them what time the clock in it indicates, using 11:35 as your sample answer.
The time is 4:54
